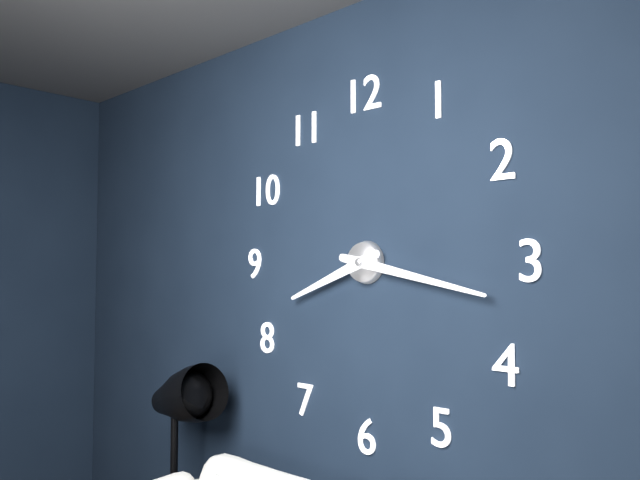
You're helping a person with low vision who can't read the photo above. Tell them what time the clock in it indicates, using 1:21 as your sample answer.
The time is 8:17
